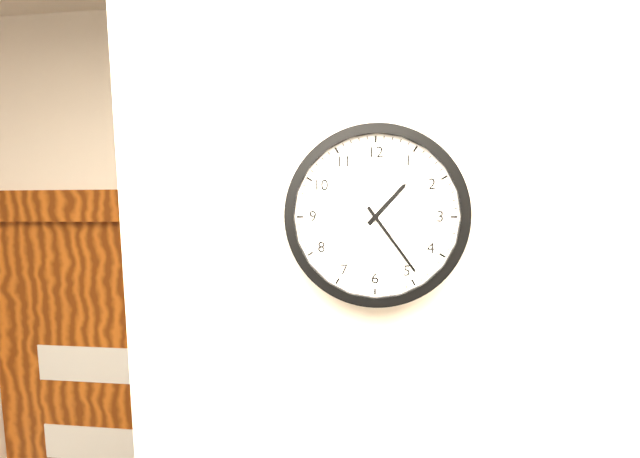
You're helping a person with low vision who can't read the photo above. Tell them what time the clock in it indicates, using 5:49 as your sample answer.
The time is 1:24
